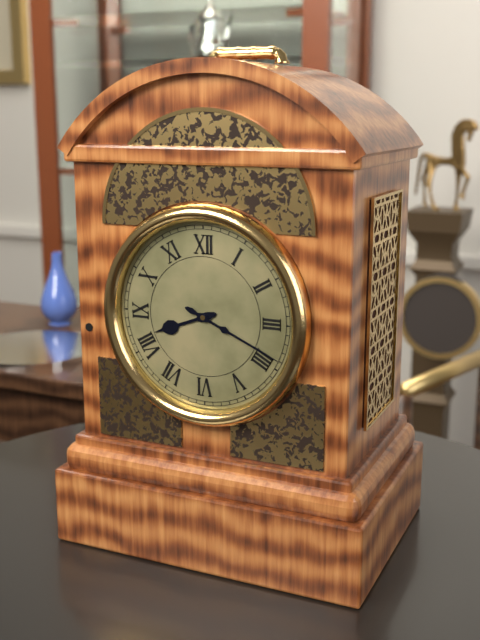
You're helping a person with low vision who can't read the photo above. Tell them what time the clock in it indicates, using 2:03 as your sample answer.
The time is 8:19
